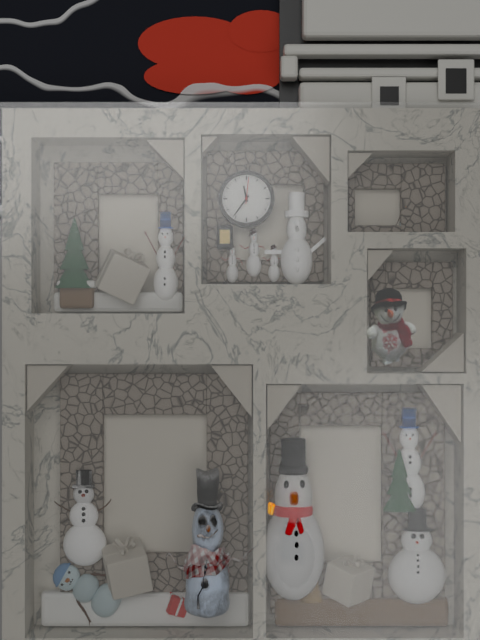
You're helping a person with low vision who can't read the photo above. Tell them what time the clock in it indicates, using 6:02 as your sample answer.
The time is 11:36
